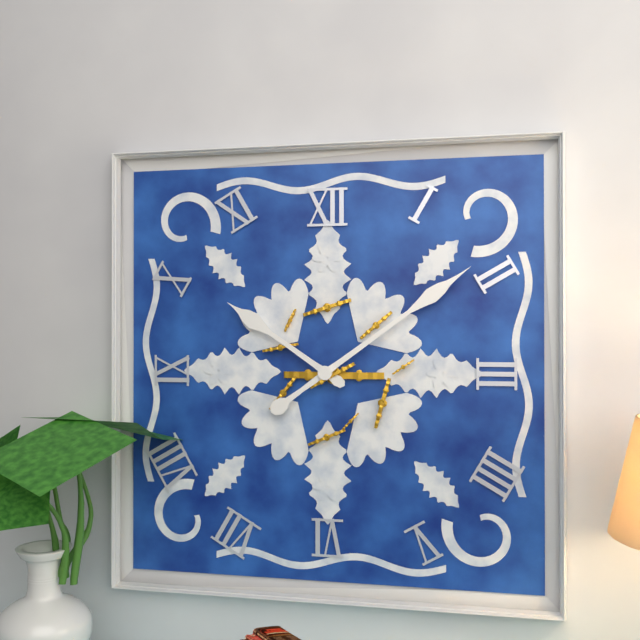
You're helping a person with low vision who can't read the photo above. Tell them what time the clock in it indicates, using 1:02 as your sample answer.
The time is 10:09
